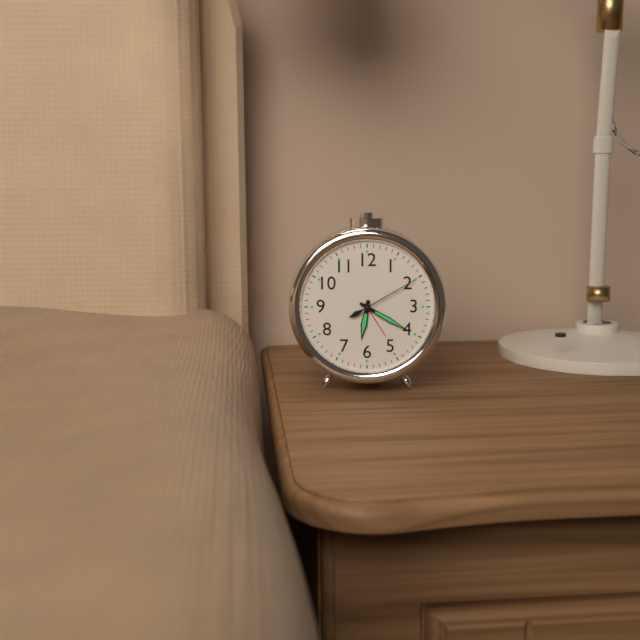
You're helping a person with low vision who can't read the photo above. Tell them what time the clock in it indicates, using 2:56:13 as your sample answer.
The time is 6:20:10
